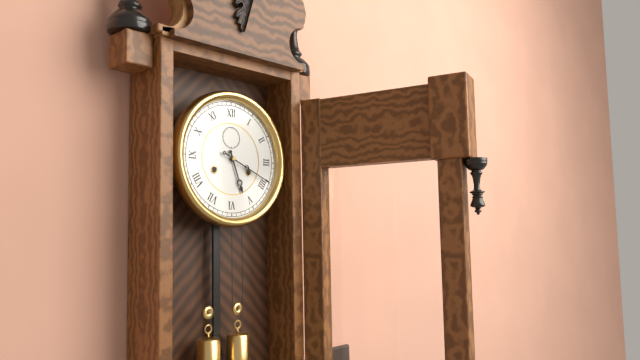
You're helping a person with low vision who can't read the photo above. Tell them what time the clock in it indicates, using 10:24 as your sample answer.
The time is 5:19
